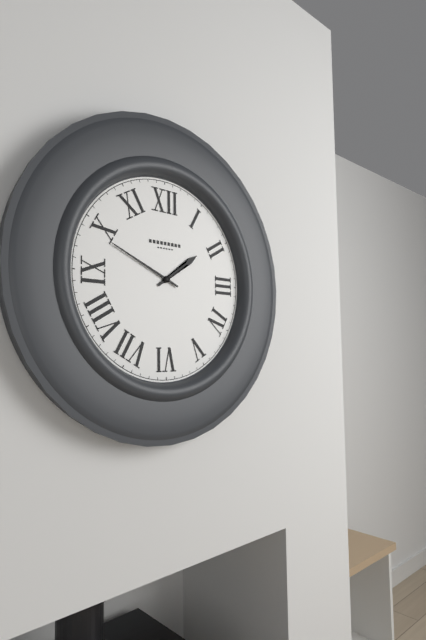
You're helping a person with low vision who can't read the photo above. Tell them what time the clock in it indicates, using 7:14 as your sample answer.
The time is 1:49
